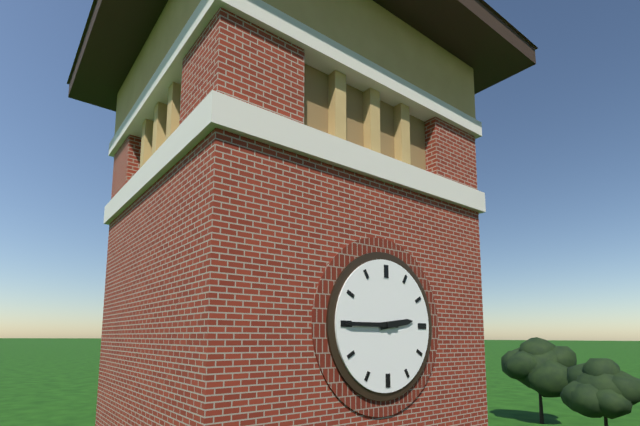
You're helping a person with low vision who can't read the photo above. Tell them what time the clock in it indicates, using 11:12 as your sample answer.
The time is 2:45
